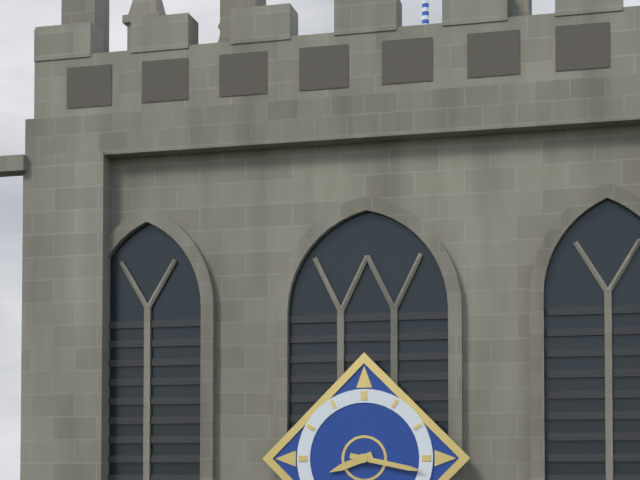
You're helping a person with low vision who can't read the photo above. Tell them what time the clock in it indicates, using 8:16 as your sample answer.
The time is 8:17
